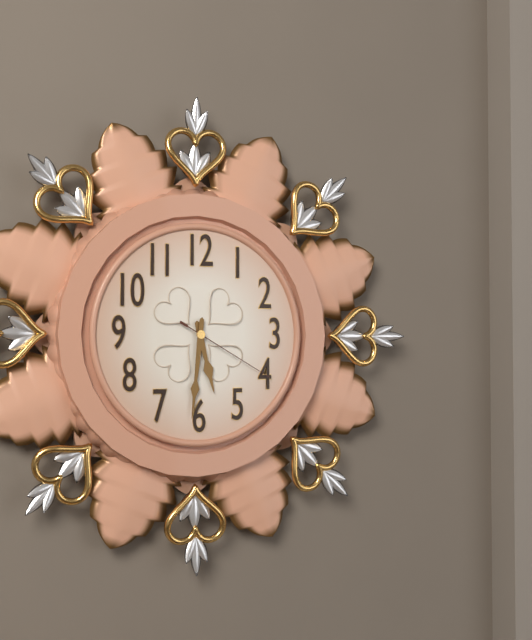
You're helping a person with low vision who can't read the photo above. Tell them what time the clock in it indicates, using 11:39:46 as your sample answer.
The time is 5:31:20
